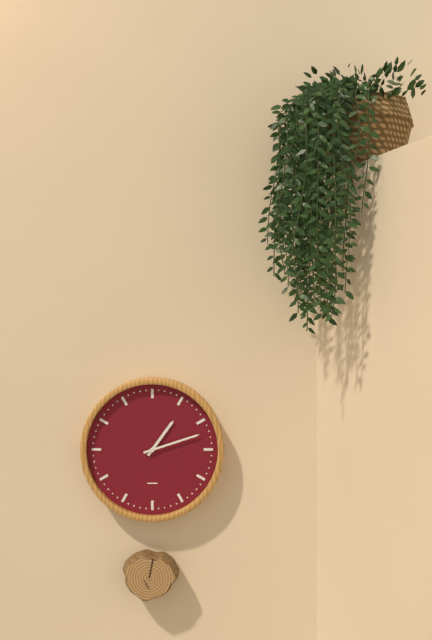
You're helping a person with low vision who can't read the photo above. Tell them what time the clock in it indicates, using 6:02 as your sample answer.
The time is 1:12
